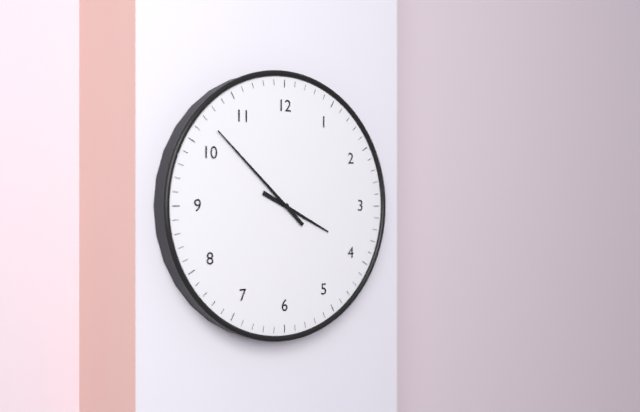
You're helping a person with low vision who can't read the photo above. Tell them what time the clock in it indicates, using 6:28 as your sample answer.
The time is 3:52
